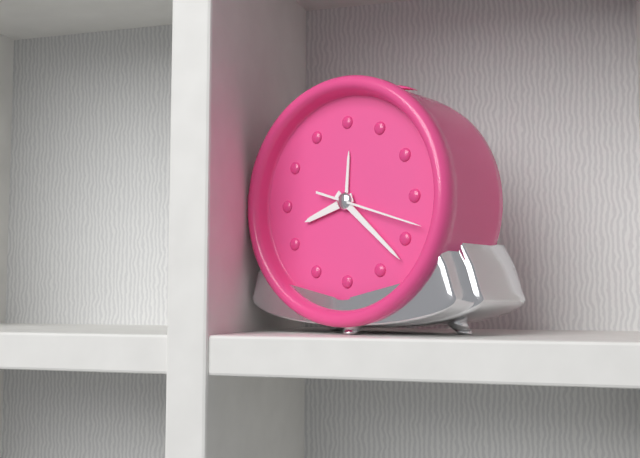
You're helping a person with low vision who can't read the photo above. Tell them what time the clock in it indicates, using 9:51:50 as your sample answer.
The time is 8:22:18
